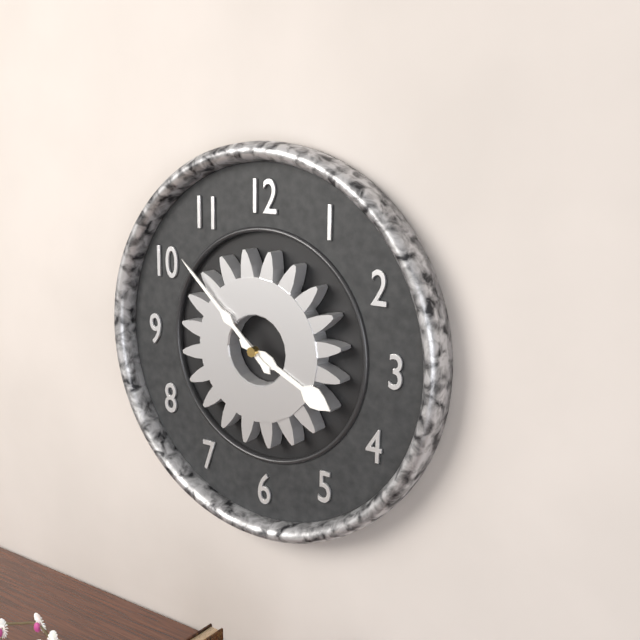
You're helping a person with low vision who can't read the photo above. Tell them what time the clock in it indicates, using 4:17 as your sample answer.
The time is 3:52
